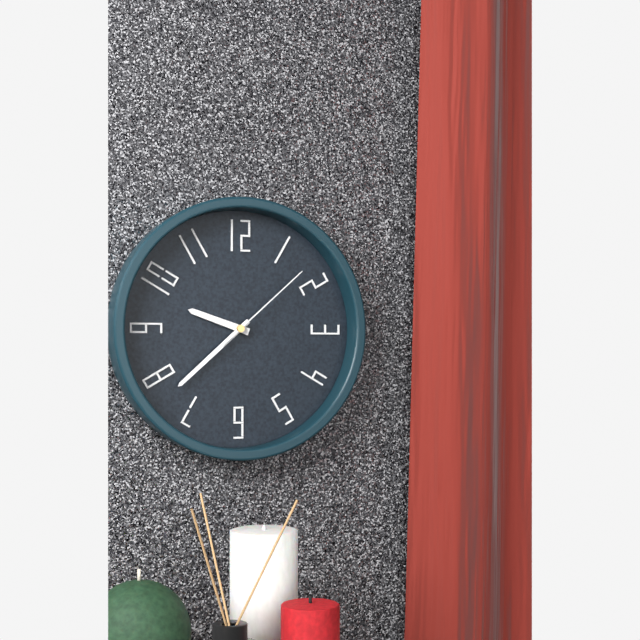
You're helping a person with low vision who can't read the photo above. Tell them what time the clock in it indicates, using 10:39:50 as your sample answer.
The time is 9:38:08
